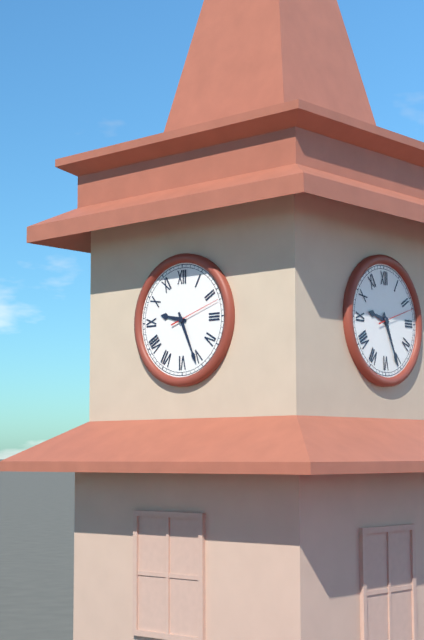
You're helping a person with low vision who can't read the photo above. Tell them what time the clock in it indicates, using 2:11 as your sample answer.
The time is 9:26
